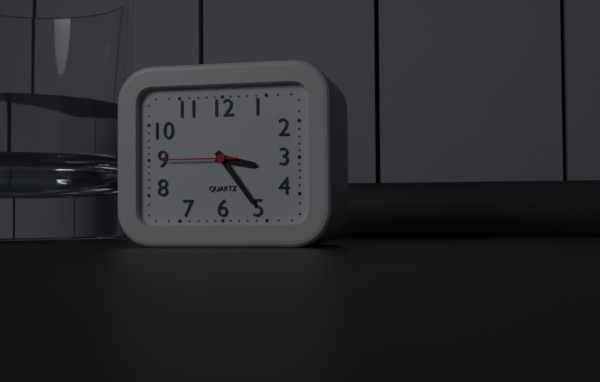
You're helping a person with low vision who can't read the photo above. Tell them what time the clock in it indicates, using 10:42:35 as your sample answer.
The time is 3:24:45
